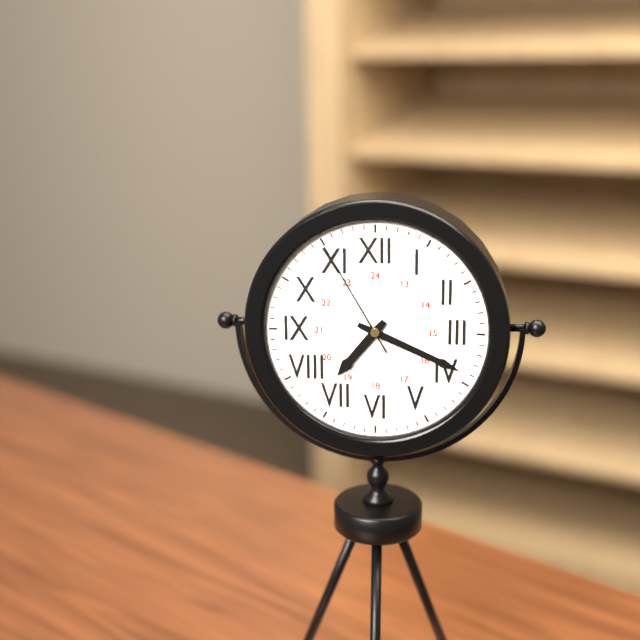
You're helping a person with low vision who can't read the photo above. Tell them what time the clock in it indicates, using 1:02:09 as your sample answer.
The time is 7:19:55
